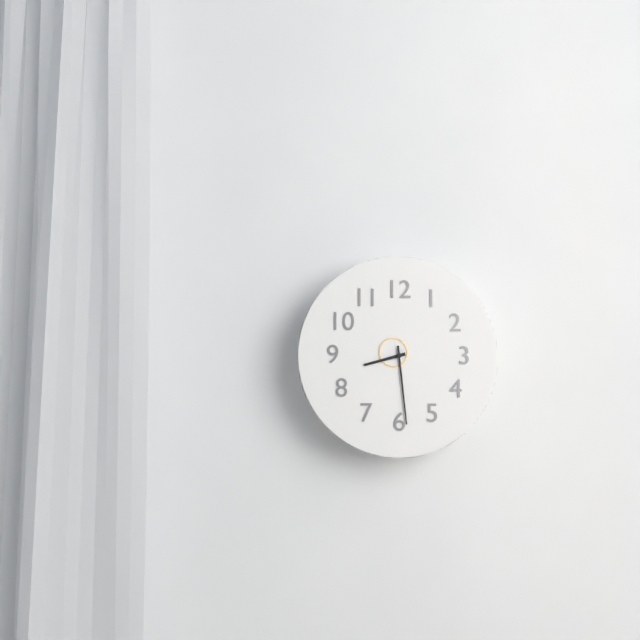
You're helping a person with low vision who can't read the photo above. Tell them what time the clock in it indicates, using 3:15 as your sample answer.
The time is 8:29
